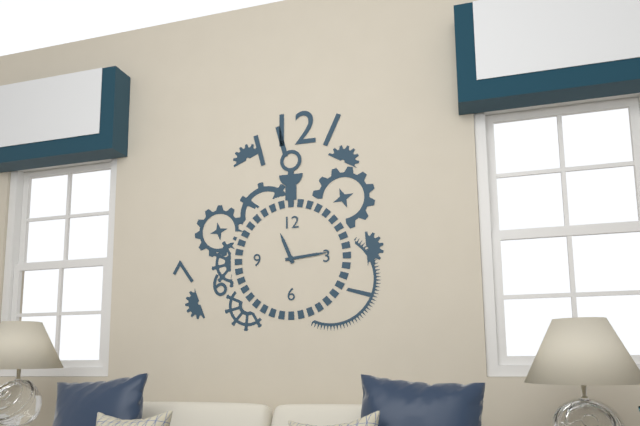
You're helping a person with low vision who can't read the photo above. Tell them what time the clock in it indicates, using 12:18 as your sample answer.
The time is 11:14
